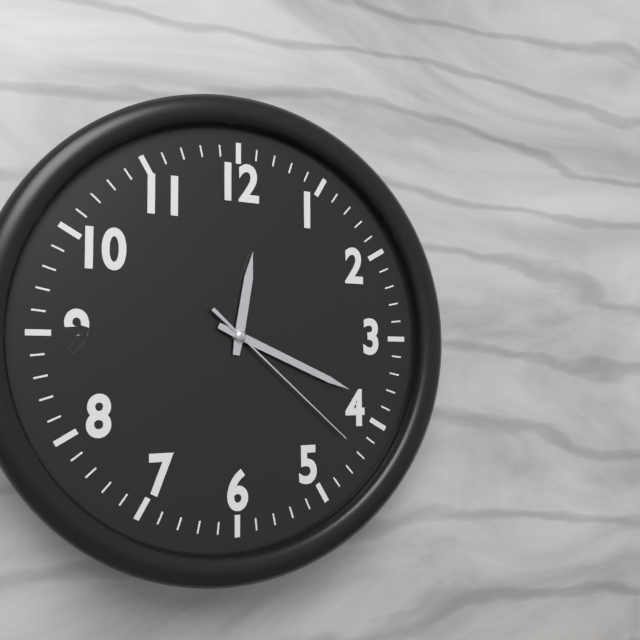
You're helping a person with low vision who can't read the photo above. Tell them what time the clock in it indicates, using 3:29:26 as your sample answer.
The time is 12:19:22
